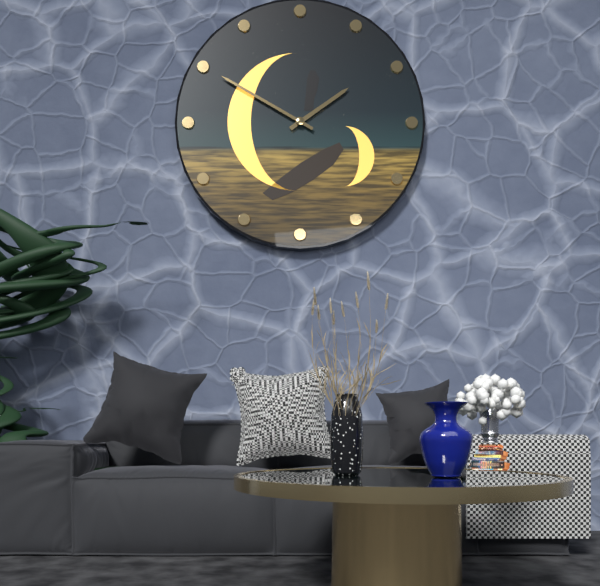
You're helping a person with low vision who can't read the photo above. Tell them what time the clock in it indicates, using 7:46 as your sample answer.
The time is 1:50
